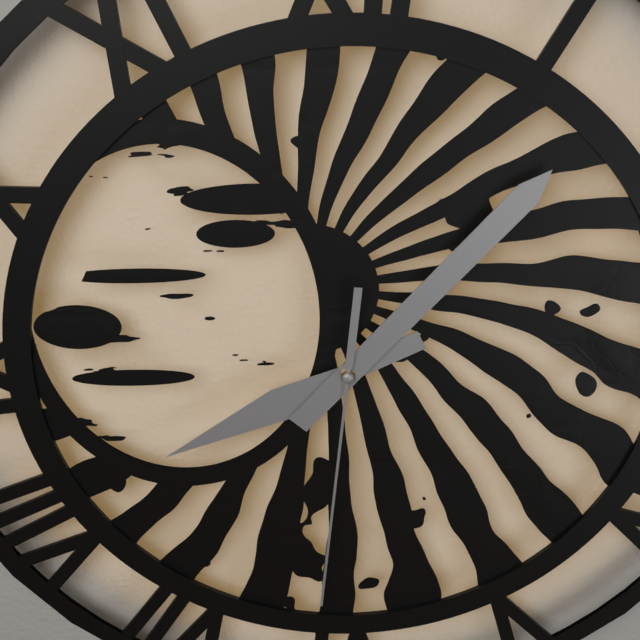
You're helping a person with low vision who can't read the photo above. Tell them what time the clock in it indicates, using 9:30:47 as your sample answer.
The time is 8:07:31
